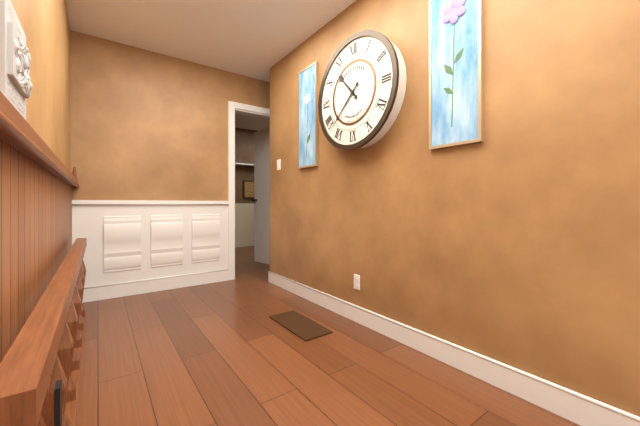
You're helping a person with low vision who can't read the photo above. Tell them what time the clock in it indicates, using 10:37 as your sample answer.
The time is 10:38
